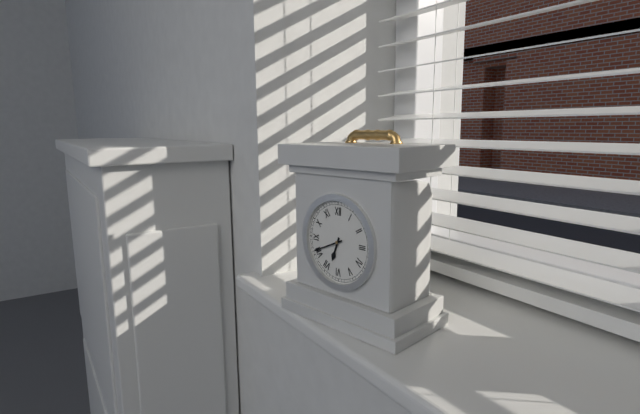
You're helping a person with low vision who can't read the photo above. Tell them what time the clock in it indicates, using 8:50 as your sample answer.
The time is 6:41
